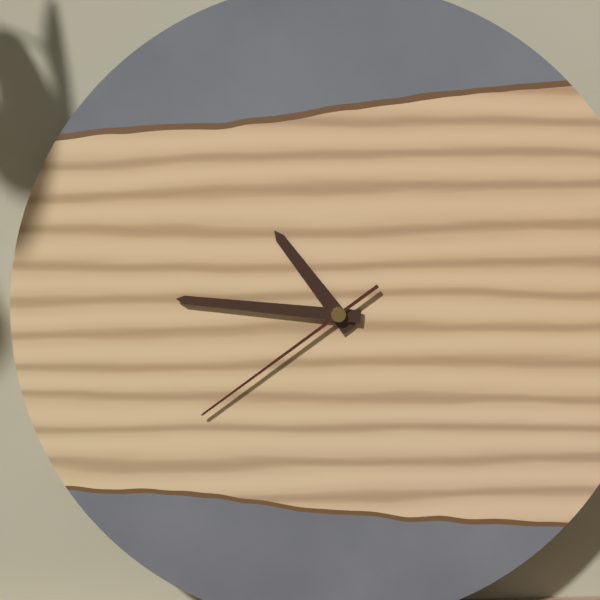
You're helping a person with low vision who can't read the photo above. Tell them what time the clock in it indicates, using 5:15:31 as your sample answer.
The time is 10:46:39
